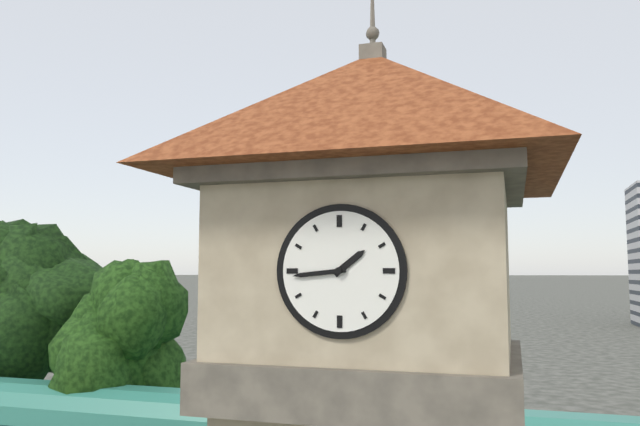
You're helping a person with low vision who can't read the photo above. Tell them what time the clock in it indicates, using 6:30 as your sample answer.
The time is 1:44
